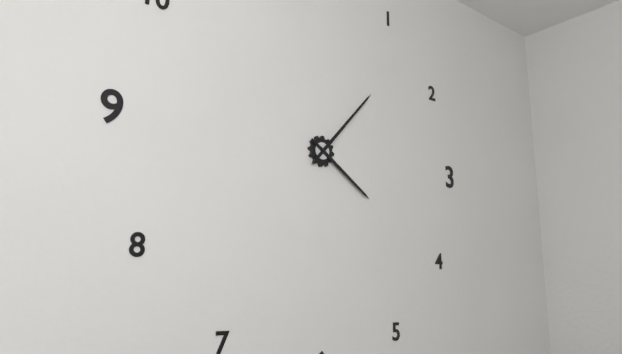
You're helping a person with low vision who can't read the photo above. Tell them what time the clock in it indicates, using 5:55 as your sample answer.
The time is 4:07
